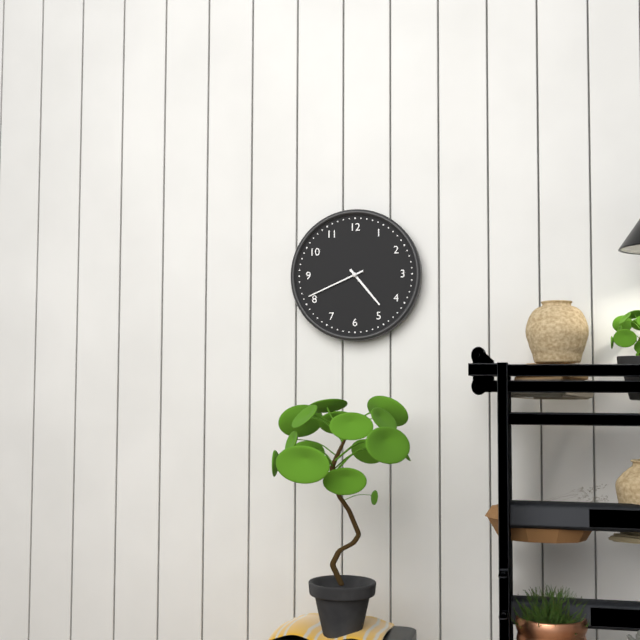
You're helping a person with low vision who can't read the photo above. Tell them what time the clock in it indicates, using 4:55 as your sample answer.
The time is 4:41
